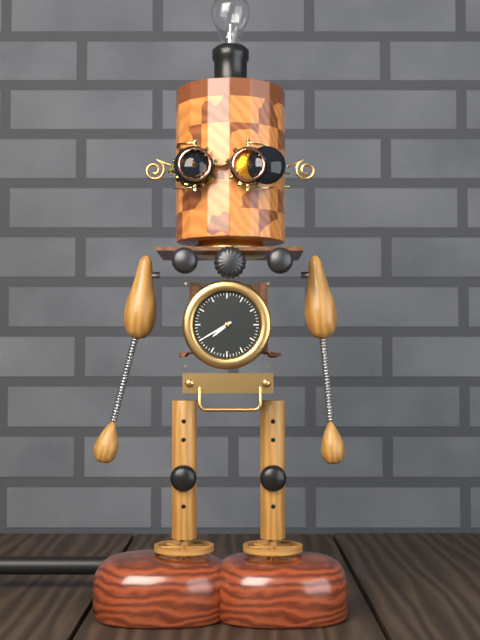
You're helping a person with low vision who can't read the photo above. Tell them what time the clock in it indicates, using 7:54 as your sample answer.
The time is 7:40
